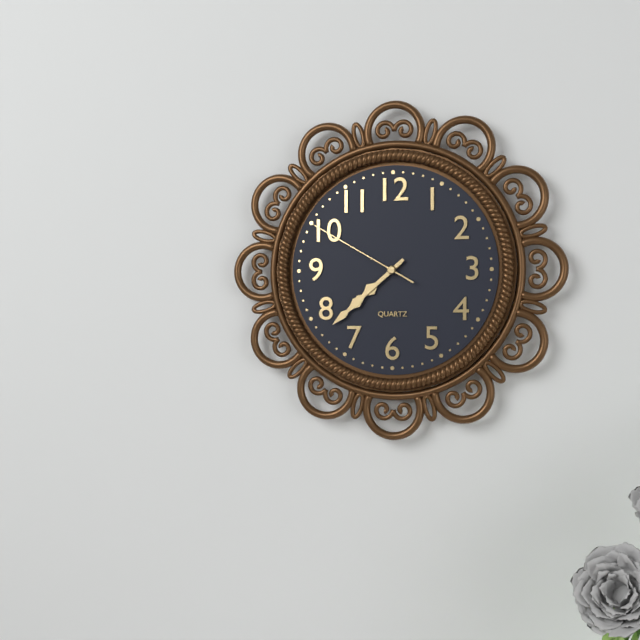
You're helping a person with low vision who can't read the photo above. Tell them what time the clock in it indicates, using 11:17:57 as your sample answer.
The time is 7:38:50
